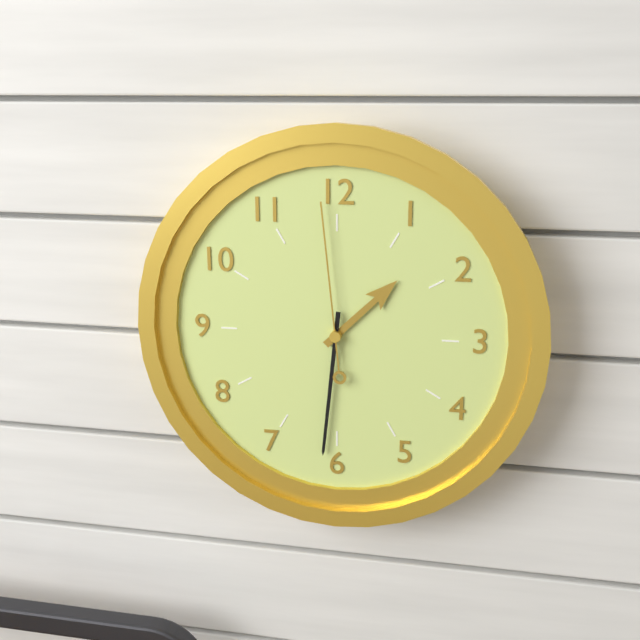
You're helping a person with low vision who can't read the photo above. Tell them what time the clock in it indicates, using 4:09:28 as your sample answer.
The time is 1:31:59
